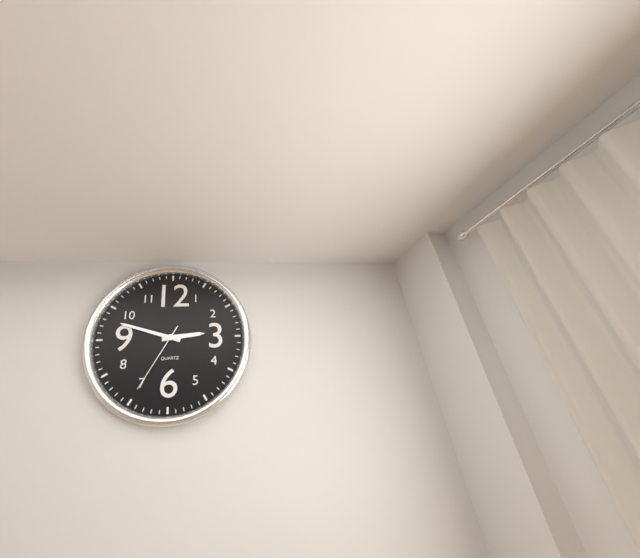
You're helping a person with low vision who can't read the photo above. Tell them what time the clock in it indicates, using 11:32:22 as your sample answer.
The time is 2:48:35
